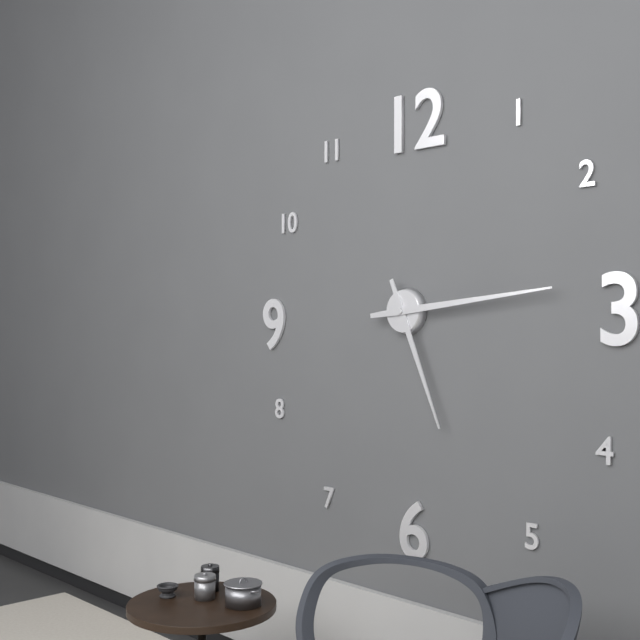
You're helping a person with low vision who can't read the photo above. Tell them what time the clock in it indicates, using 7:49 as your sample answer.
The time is 5:14
